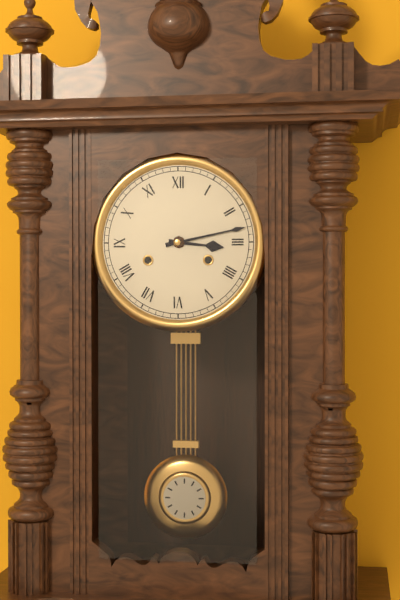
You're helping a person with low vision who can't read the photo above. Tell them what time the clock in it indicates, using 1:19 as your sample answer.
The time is 3:13
